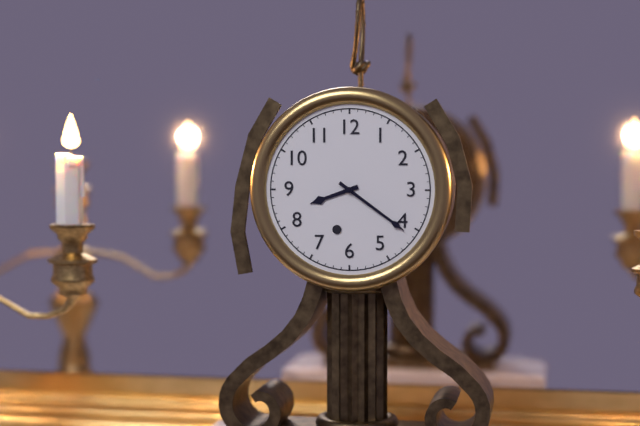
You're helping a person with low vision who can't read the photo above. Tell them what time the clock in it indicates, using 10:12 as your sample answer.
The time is 8:21
